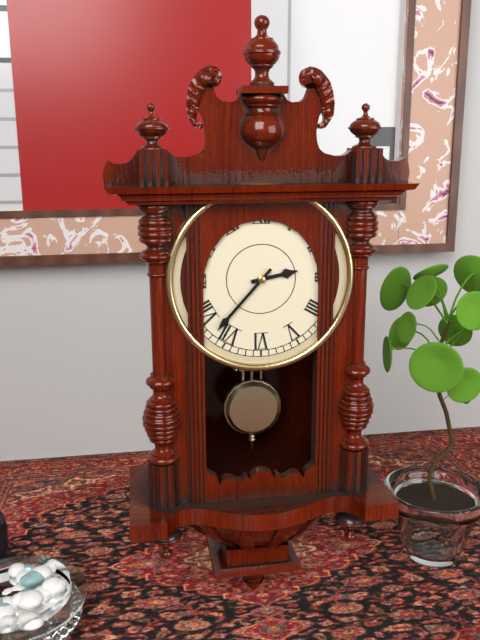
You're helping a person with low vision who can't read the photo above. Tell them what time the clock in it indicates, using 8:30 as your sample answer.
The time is 2:37
